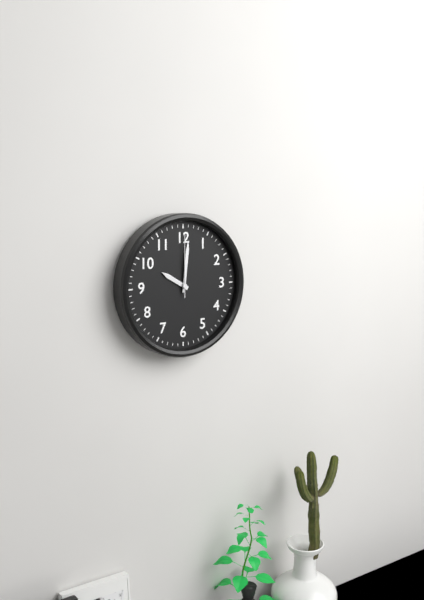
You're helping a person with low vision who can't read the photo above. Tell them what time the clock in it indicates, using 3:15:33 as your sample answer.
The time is 10:01:00
